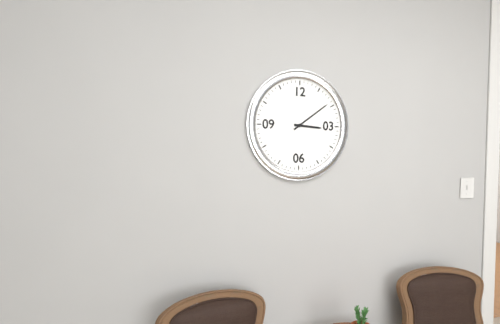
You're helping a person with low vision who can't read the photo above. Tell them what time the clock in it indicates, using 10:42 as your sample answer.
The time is 3:09
